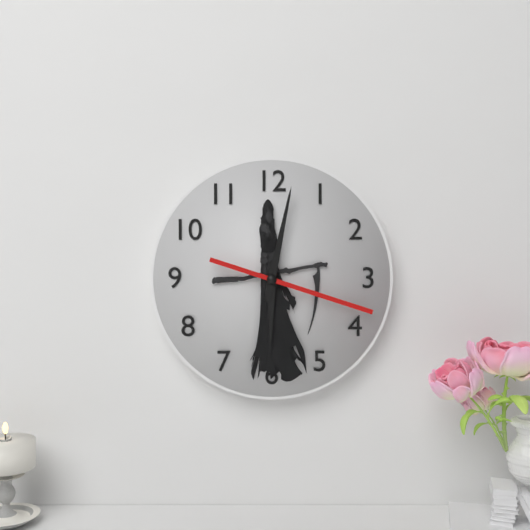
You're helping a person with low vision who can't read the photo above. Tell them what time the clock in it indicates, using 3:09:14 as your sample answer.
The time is 6:02:18
